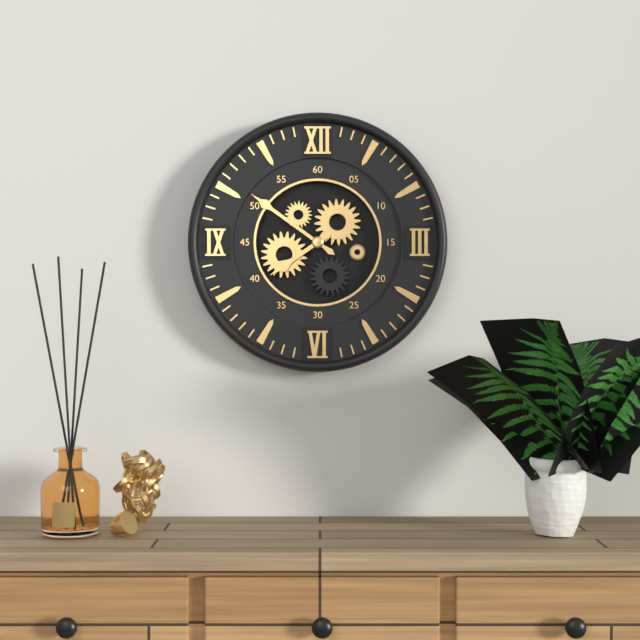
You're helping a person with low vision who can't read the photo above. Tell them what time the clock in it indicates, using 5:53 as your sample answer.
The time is 7:51
